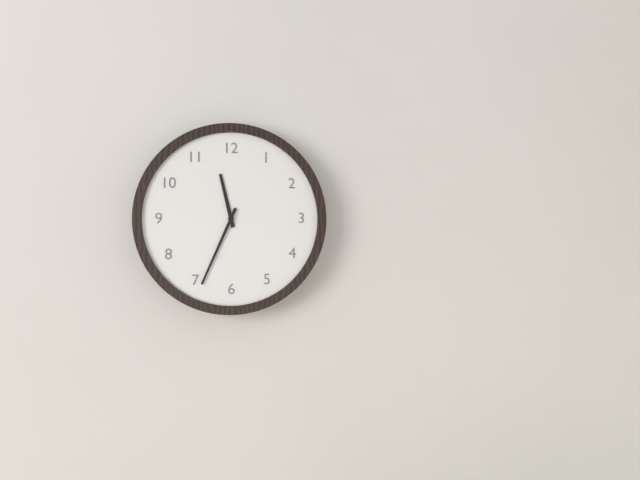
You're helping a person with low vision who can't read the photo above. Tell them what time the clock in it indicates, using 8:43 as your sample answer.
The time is 11:34
